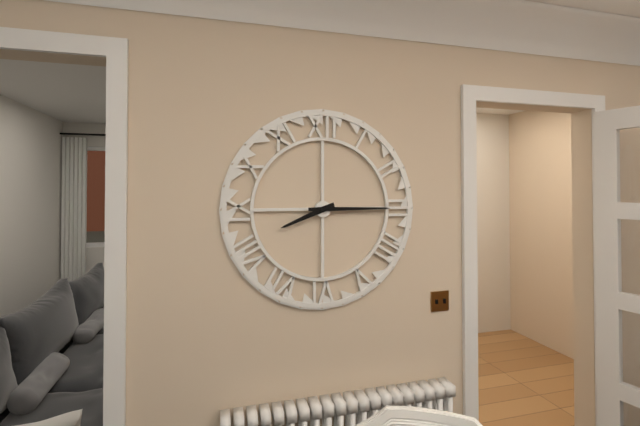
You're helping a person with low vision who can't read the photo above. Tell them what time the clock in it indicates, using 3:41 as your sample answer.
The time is 8:15
